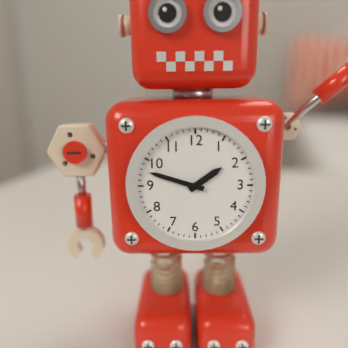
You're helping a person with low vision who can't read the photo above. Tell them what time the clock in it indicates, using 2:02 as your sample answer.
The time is 1:48
